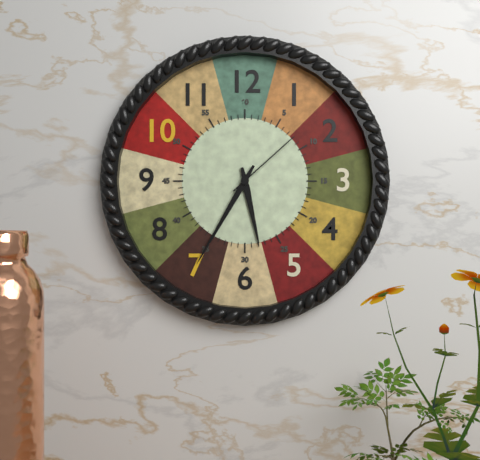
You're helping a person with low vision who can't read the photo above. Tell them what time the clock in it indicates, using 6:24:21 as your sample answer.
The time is 5:35:08
